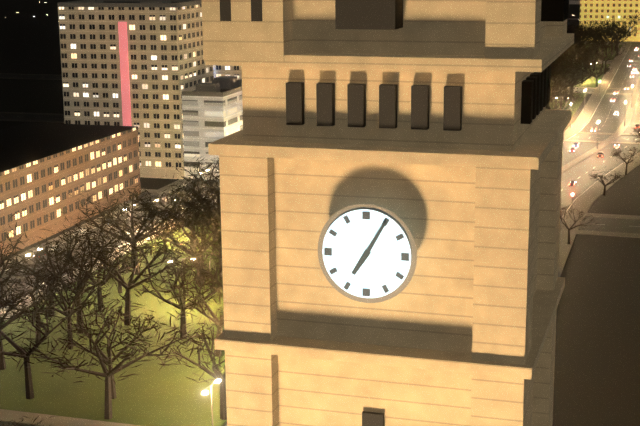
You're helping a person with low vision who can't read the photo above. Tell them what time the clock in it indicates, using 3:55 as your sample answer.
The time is 7:05
